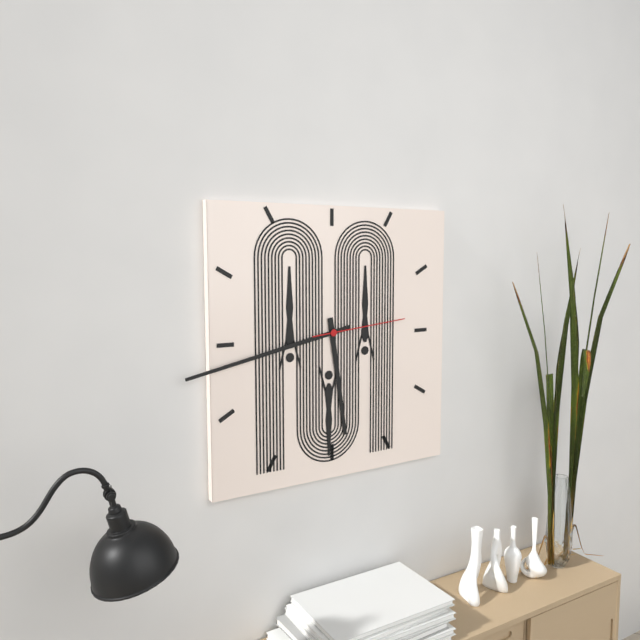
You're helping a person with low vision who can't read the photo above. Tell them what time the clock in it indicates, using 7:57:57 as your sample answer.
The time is 5:43:14
